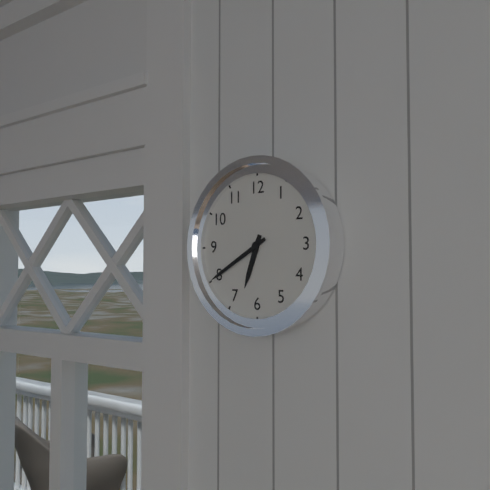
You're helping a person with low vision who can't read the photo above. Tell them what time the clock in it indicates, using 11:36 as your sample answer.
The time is 6:40
